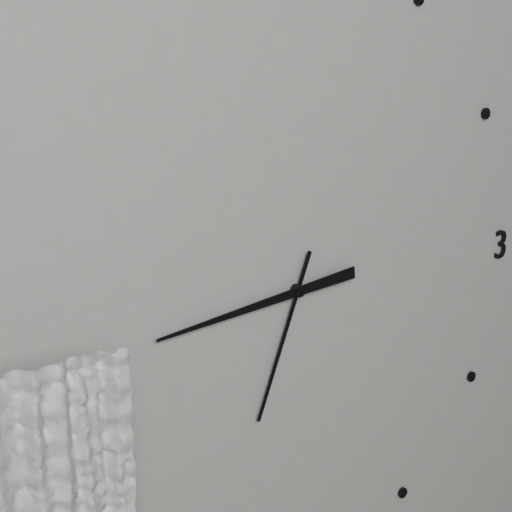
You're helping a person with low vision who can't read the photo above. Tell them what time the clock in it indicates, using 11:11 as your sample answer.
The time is 6:44
